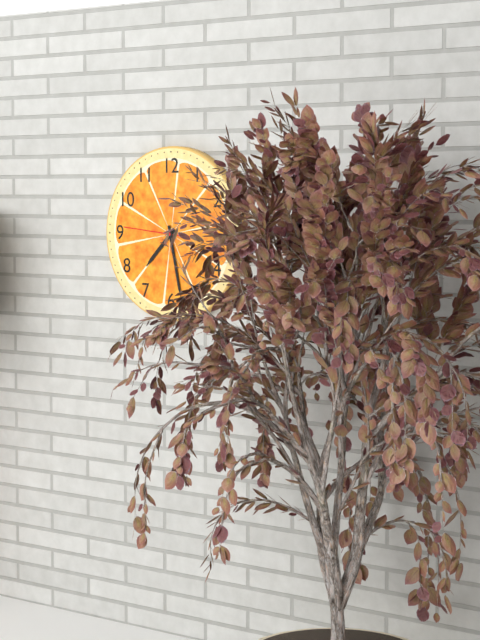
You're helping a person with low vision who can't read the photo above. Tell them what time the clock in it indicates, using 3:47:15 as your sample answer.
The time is 7:28:46
